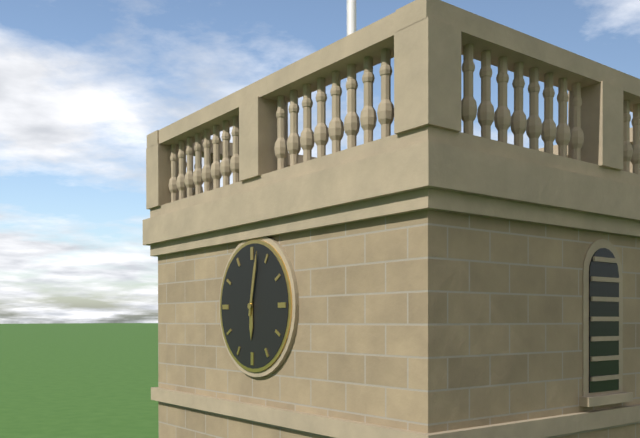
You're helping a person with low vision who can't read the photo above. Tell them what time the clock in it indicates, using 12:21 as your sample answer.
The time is 6:02
